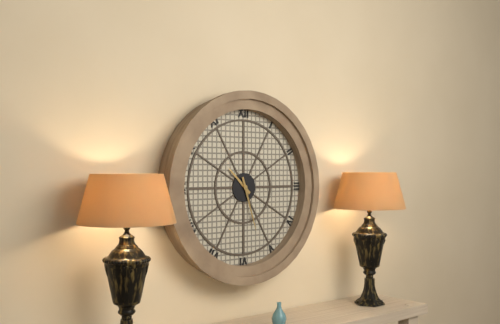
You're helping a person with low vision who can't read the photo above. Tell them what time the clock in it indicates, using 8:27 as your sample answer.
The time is 10:27
